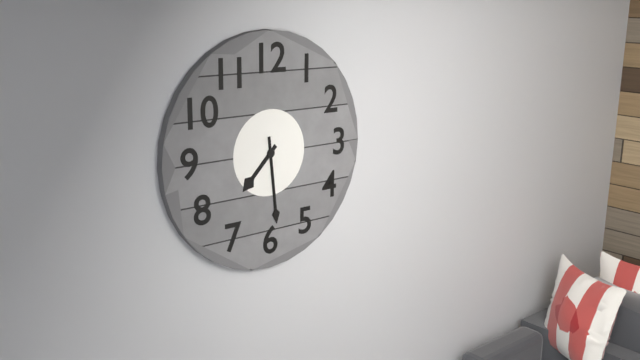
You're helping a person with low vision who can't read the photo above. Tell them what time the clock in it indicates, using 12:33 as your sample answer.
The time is 7:29
